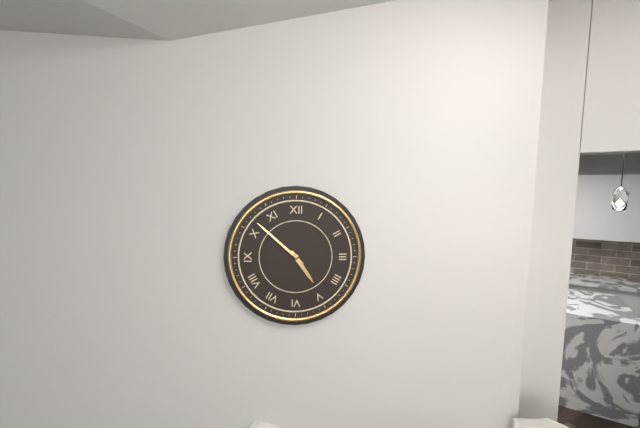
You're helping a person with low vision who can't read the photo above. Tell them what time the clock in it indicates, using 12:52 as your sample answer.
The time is 4:52
